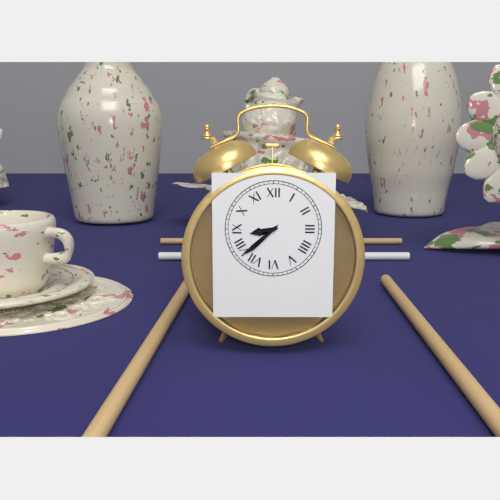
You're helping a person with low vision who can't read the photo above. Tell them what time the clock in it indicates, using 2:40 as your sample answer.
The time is 8:38
